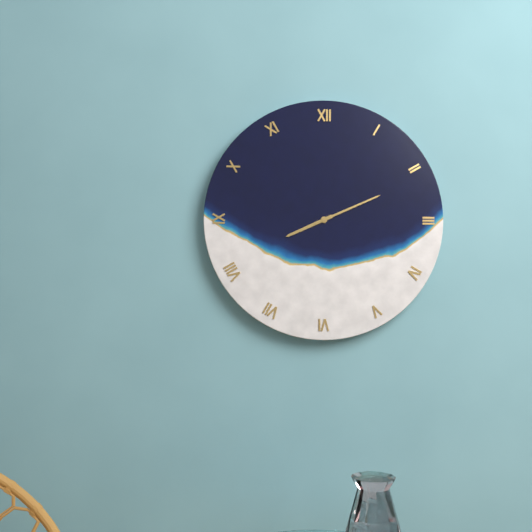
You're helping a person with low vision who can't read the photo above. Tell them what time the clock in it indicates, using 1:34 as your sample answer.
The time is 8:11
